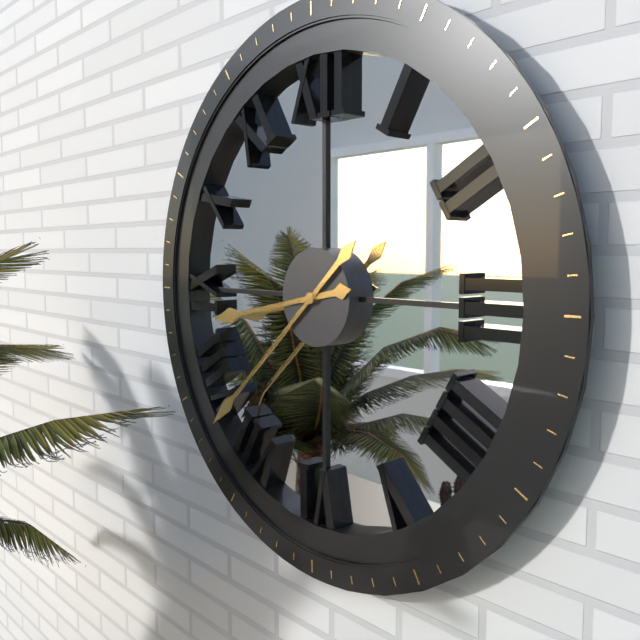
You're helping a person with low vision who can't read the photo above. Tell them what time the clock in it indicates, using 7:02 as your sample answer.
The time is 8:38
